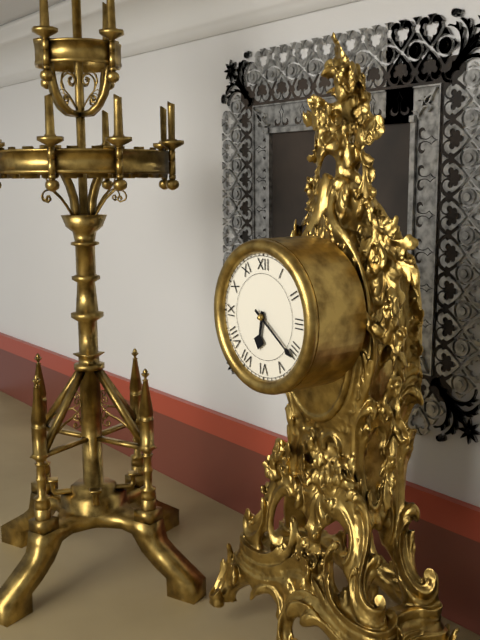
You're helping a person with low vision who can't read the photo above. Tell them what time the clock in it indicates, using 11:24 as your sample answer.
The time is 6:21
